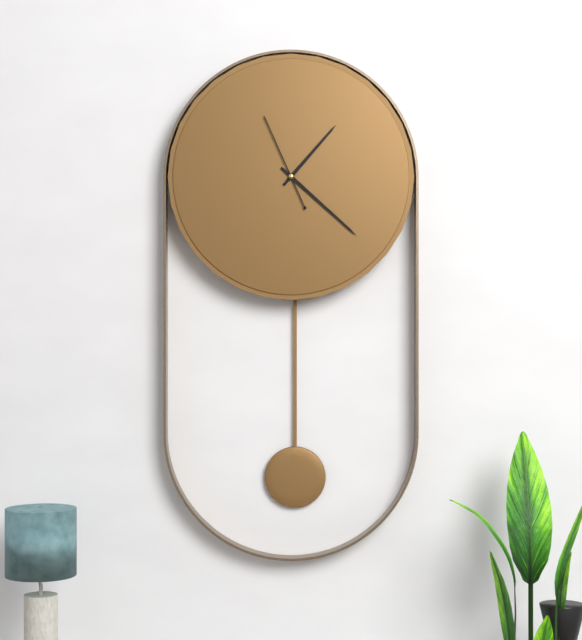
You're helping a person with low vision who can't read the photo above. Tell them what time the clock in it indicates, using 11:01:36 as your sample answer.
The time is 1:22:56
